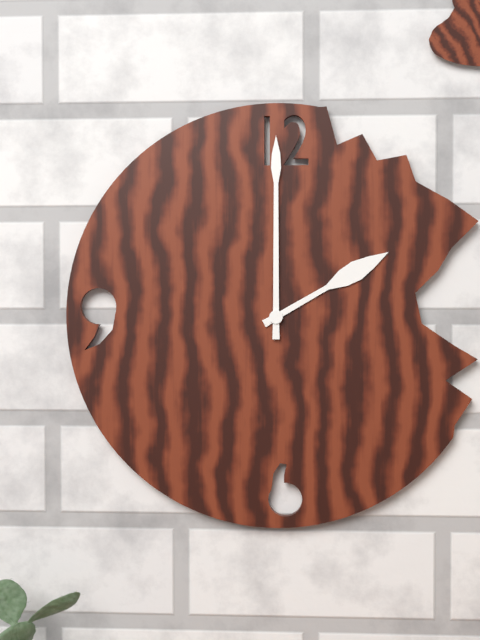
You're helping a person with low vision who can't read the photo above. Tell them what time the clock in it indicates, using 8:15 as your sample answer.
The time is 2:00
